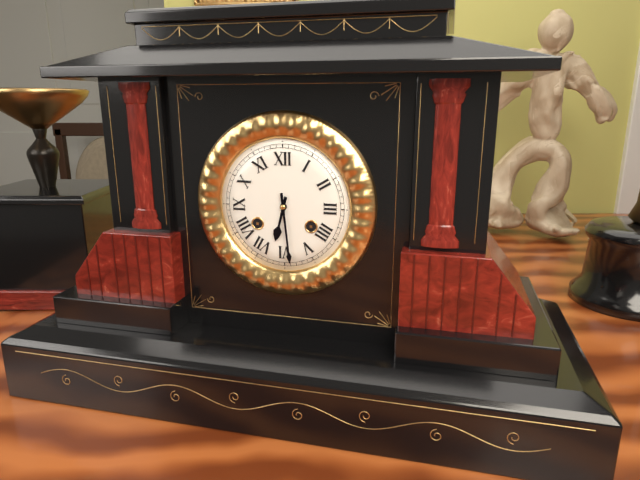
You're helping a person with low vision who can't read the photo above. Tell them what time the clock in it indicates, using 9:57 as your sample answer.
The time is 6:29
